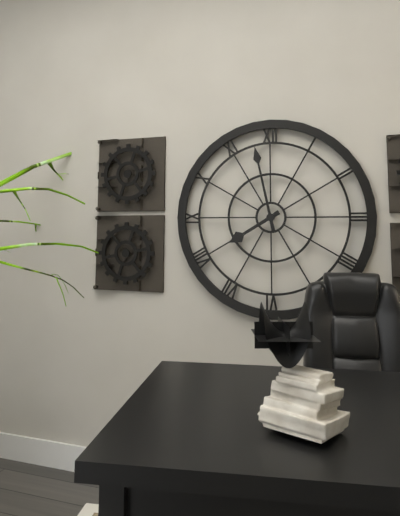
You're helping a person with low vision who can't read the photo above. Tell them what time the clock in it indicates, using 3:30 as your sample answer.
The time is 7:58
